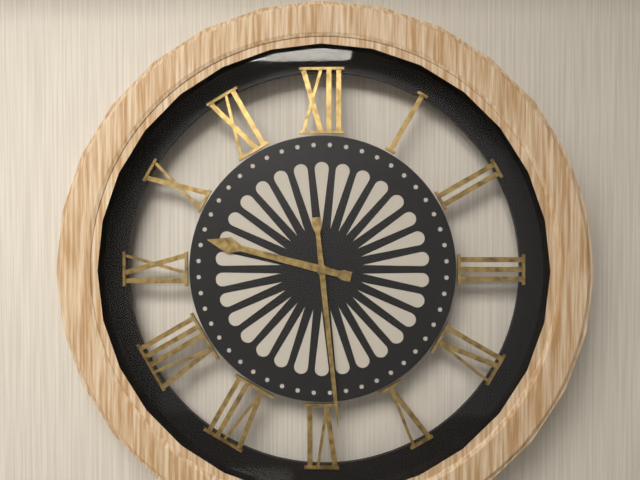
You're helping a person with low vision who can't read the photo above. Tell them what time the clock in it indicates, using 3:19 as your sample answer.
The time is 9:29
